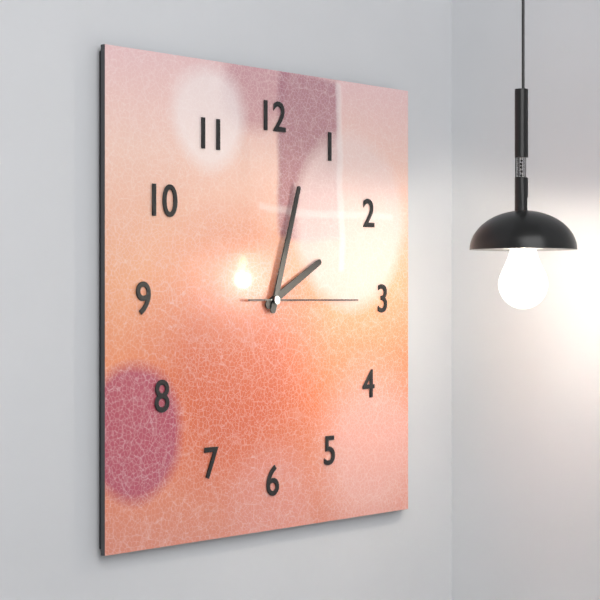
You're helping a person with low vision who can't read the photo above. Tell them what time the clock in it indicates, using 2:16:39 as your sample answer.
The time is 2:03:15
